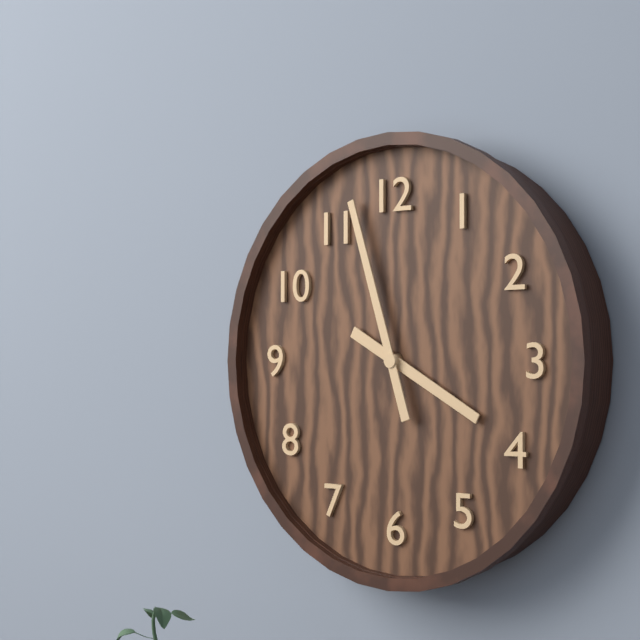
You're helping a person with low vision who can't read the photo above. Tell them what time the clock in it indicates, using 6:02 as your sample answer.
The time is 3:57
